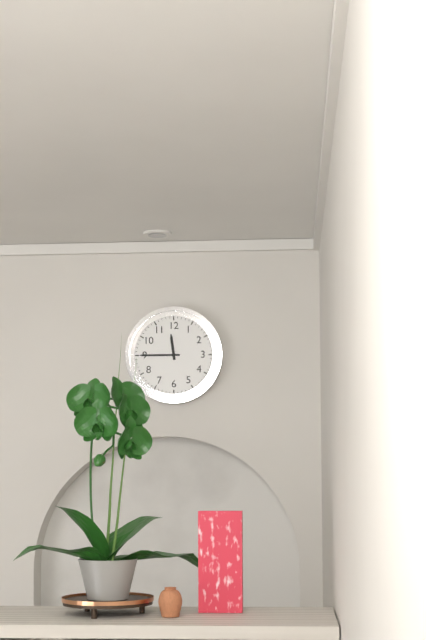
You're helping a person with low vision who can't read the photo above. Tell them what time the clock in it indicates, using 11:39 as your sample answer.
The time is 11:45
